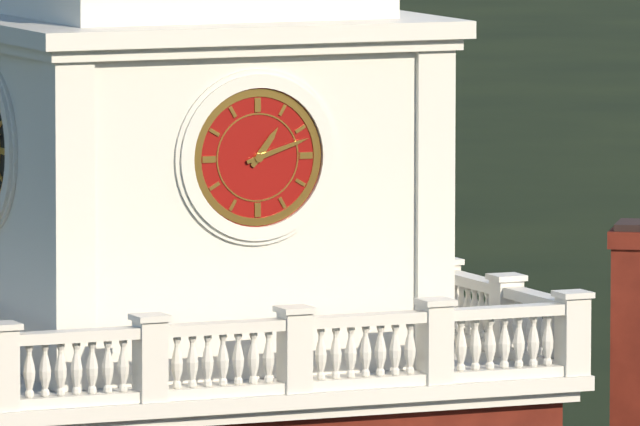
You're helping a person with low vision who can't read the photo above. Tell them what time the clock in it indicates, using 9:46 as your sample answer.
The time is 1:12
